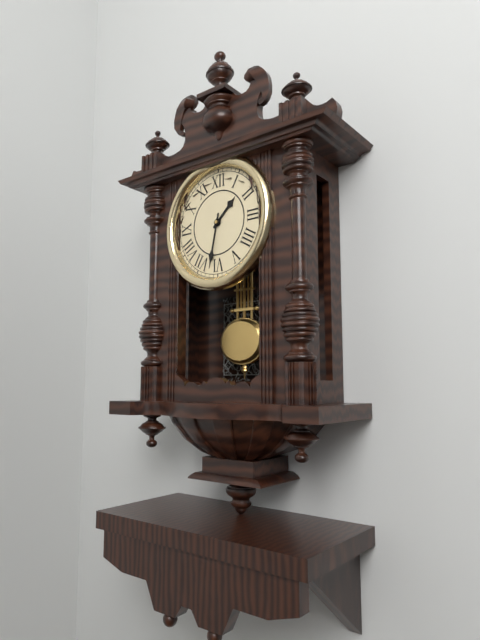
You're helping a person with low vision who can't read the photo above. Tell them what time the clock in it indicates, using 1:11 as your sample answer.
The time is 1:32
